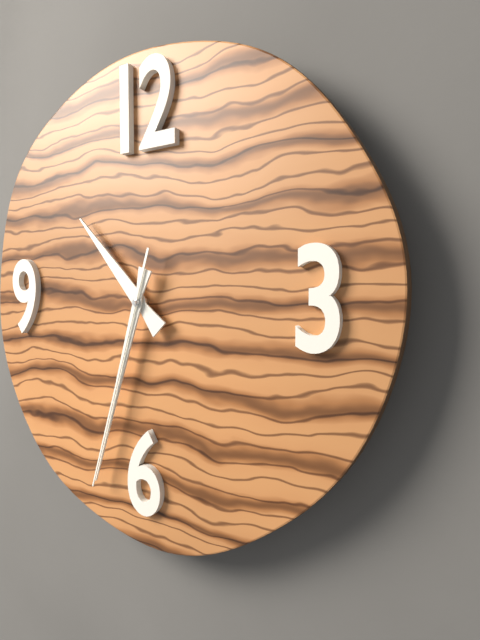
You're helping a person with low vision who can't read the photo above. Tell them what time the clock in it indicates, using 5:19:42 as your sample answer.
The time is 10:33:33
